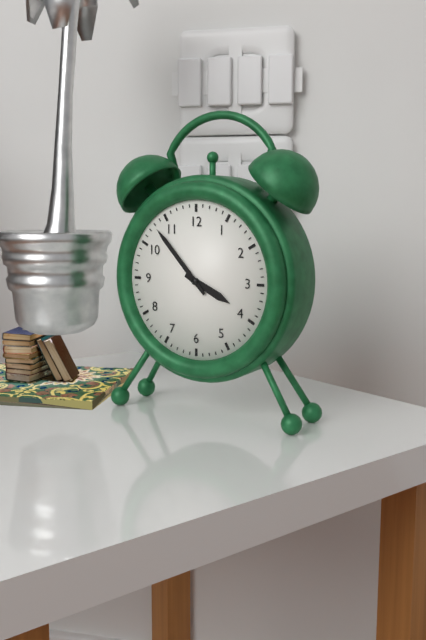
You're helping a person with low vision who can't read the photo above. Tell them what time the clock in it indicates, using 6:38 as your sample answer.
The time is 3:53
